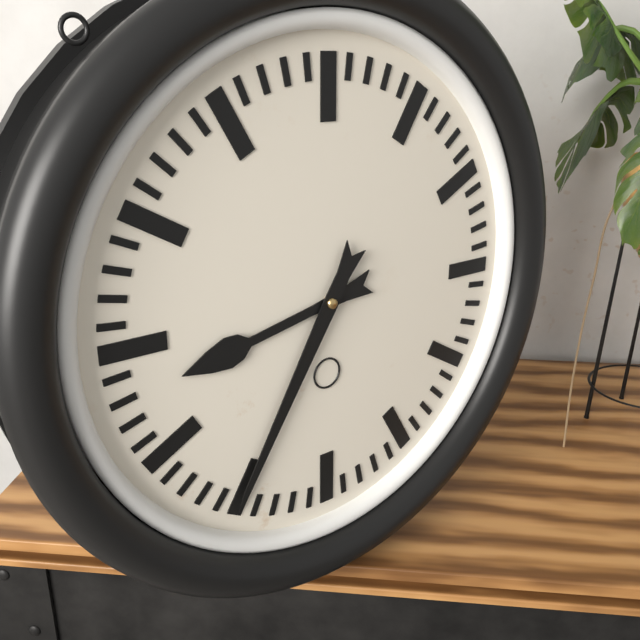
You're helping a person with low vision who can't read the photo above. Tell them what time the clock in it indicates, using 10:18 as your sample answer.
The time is 8:35
